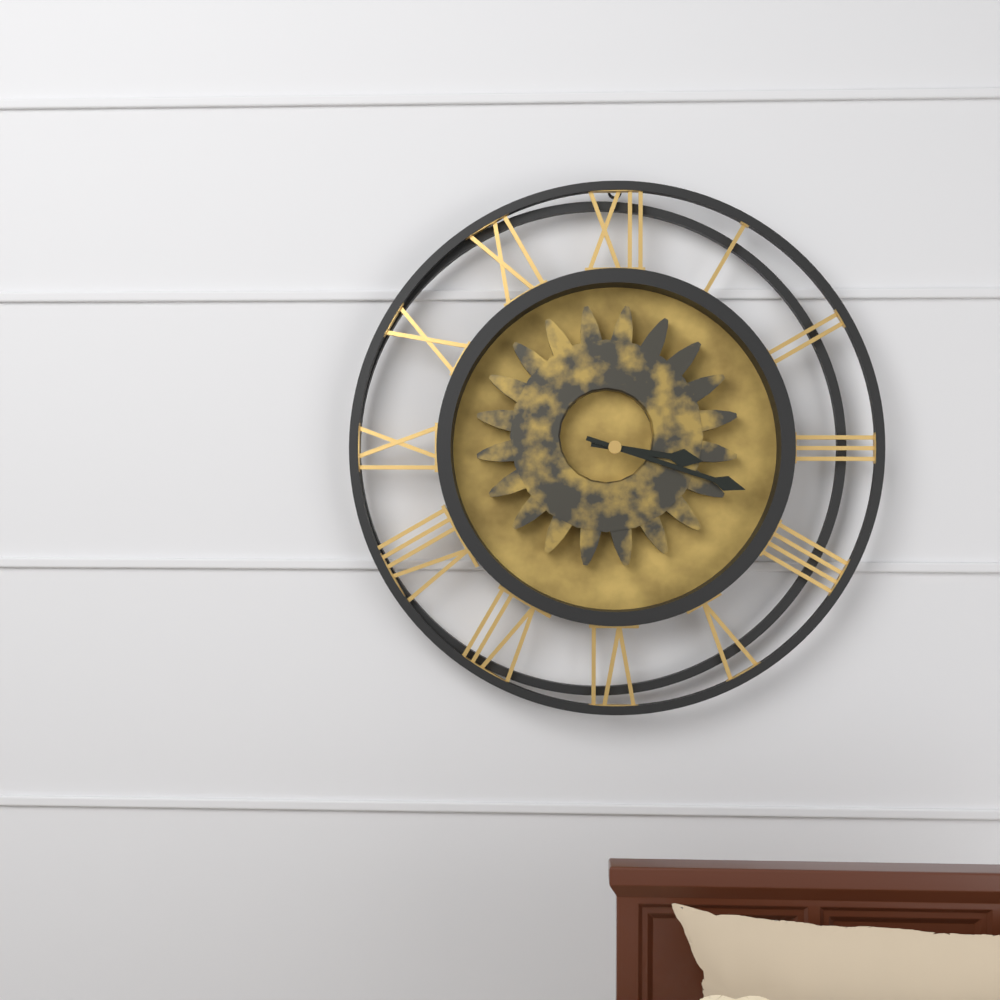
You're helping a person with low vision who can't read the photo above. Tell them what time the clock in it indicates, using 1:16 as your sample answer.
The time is 3:18
